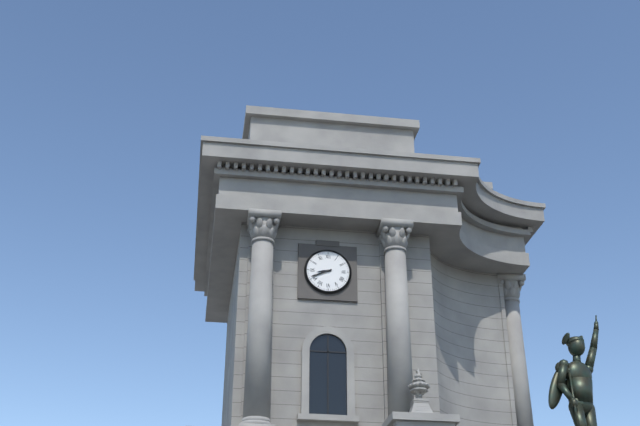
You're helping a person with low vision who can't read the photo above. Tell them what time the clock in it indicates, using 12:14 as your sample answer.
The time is 8:41
